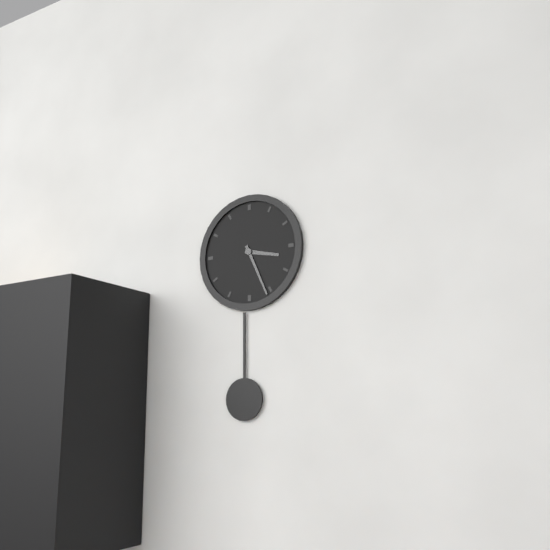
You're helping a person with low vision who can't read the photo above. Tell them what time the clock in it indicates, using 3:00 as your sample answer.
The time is 3:26
